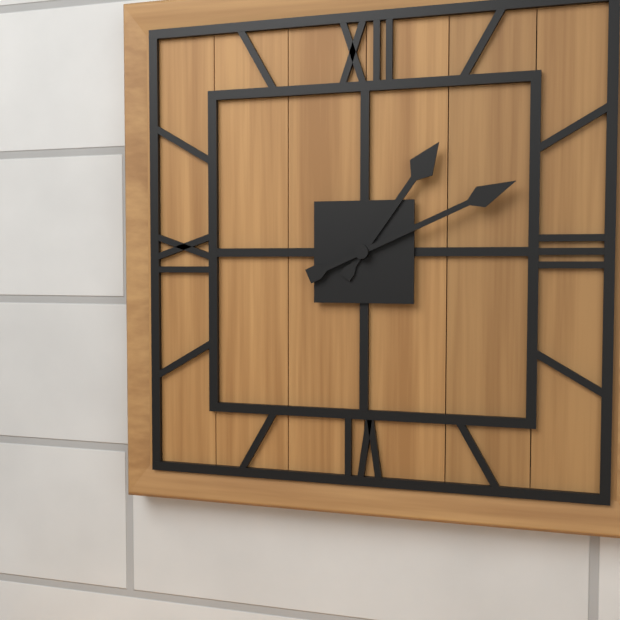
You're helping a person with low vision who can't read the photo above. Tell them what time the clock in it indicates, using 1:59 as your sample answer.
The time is 1:11
